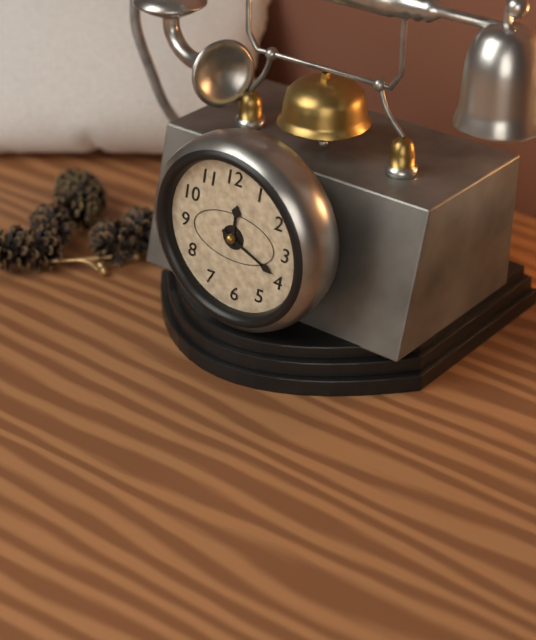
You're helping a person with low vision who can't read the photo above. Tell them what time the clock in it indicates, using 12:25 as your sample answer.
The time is 12:19
